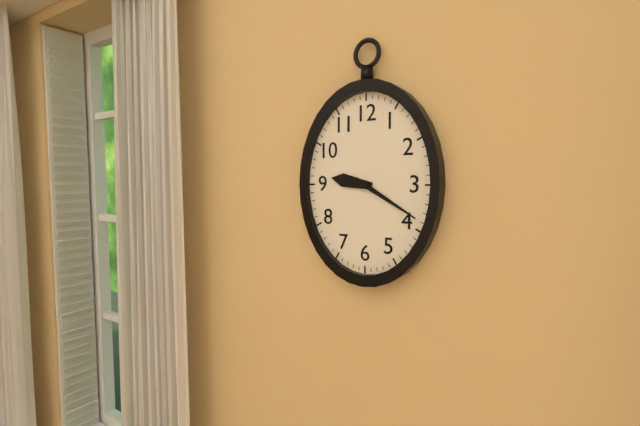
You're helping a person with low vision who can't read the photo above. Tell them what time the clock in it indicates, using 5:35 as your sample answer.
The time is 9:20
